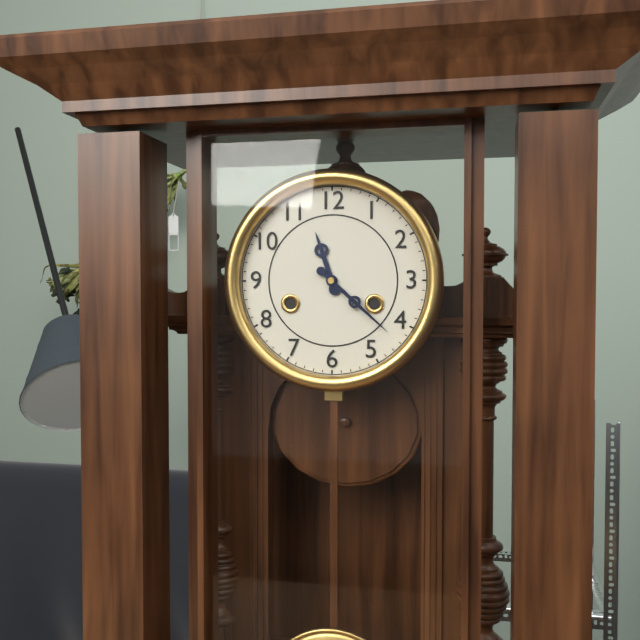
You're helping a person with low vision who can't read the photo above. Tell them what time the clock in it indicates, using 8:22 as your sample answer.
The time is 11:22
